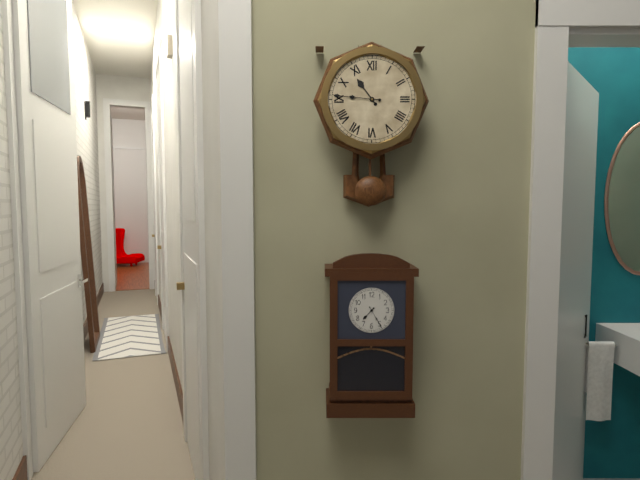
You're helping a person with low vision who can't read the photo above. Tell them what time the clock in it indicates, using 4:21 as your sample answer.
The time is 10:46
